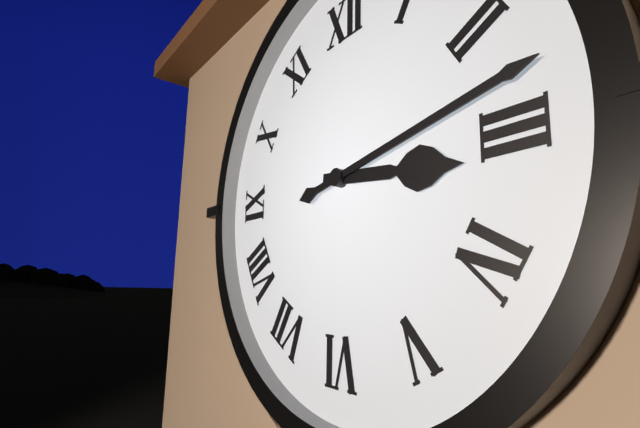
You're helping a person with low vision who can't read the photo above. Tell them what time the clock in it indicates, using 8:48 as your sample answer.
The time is 3:13
